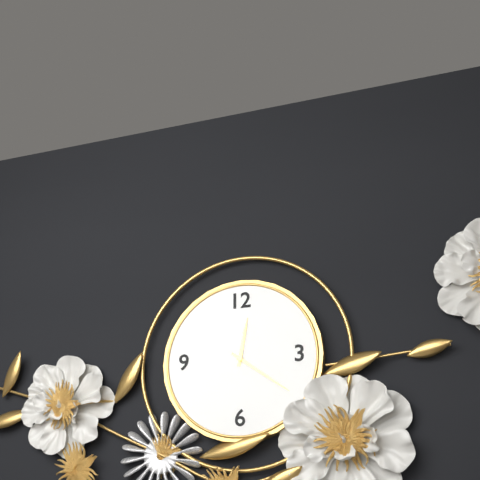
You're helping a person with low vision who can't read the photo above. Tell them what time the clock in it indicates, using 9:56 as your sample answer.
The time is 12:21
